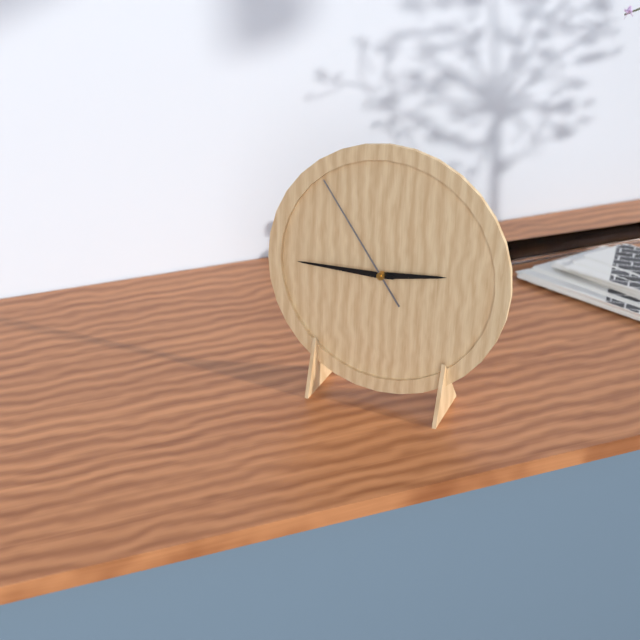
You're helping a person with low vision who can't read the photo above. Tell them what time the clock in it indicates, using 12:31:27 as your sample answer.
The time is 2:45:54
